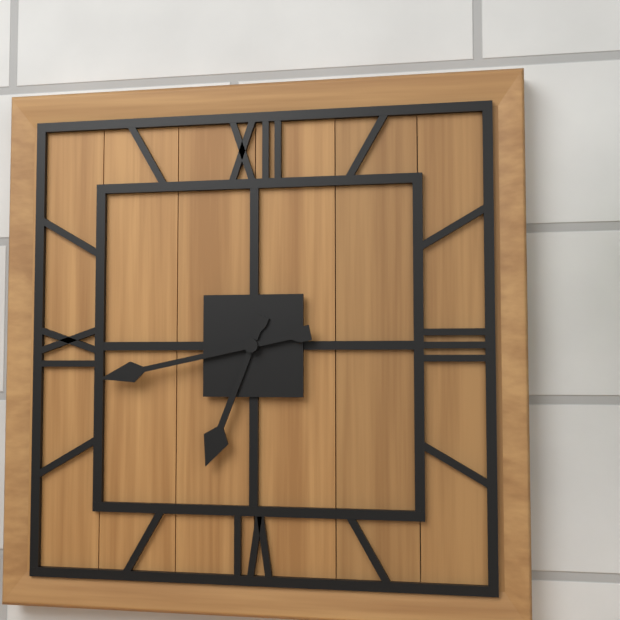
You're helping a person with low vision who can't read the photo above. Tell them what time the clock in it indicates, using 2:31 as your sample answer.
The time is 6:43
